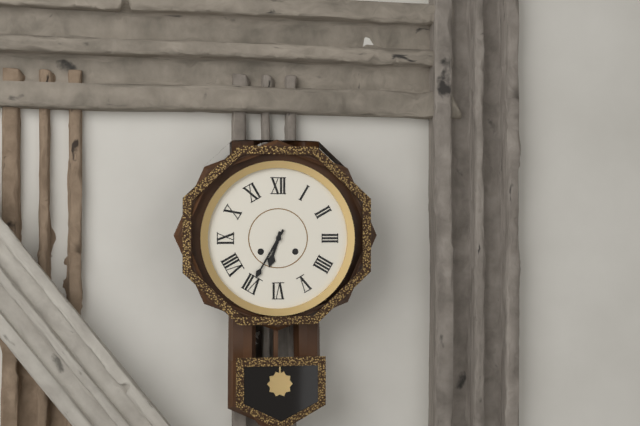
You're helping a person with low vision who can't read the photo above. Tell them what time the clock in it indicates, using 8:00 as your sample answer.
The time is 6:35
